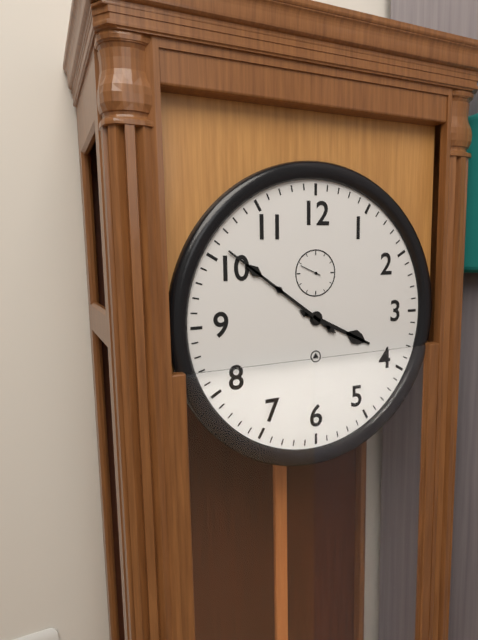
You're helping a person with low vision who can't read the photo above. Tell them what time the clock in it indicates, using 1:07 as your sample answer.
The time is 3:51
